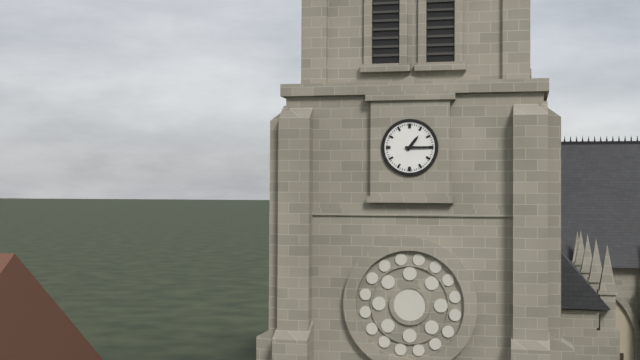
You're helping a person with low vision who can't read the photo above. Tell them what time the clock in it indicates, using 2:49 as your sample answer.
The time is 1:15
